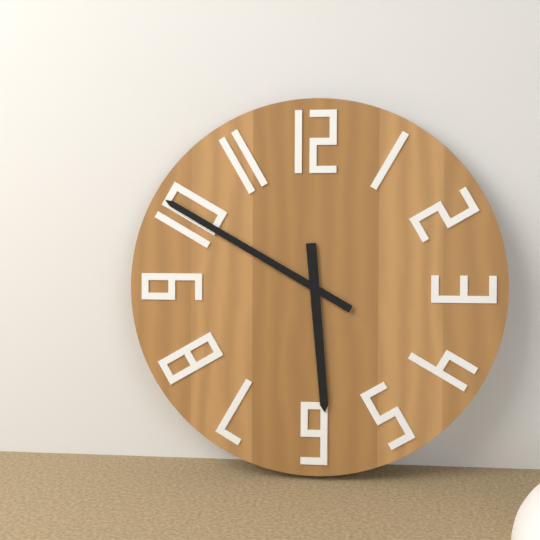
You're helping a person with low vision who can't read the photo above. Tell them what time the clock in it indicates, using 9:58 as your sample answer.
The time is 5:50
